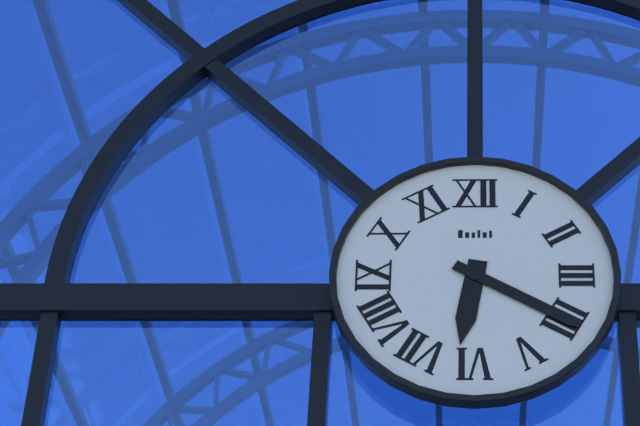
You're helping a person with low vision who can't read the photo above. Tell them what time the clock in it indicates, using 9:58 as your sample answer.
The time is 6:20
